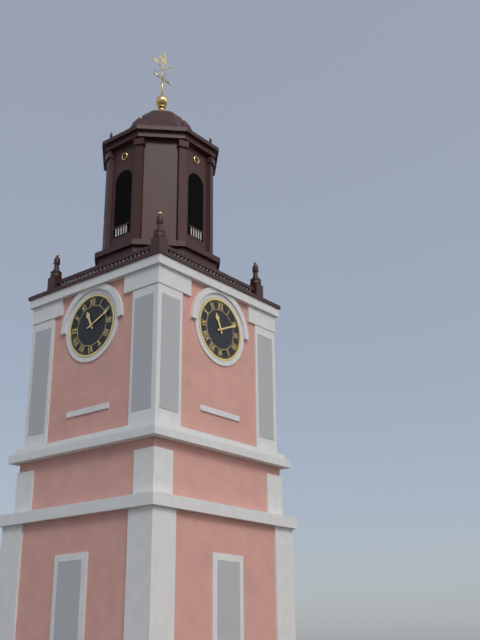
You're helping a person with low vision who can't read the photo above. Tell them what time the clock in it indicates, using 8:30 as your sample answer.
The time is 11:11
